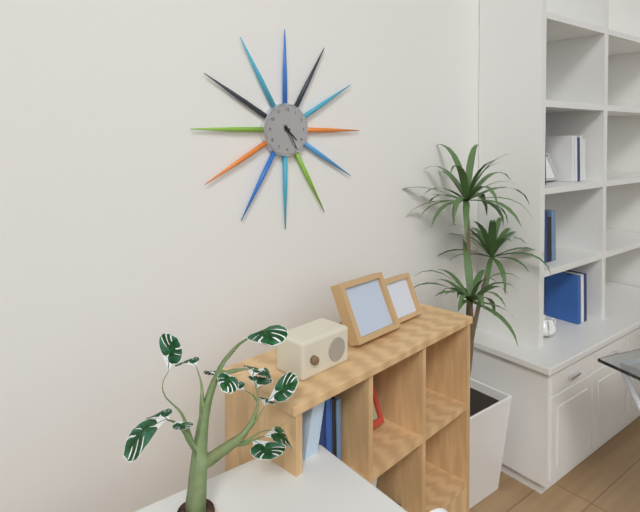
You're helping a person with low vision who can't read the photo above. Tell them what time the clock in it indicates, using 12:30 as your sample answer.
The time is 4:25
